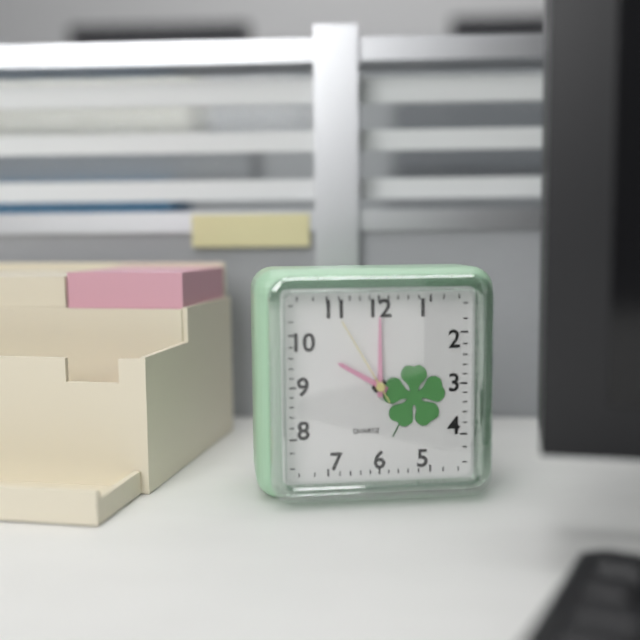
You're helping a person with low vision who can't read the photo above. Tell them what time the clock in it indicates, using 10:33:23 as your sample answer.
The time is 10:00:55
